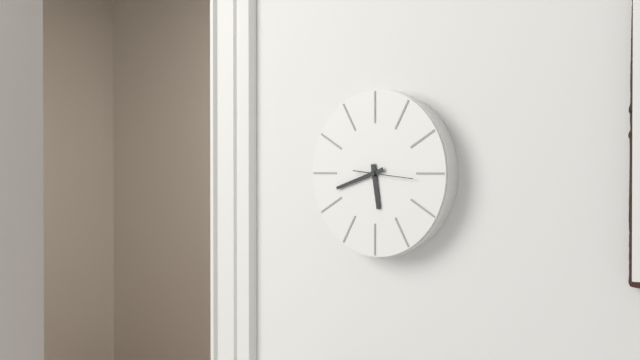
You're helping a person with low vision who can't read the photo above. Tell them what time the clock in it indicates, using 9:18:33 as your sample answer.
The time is 5:42:16
